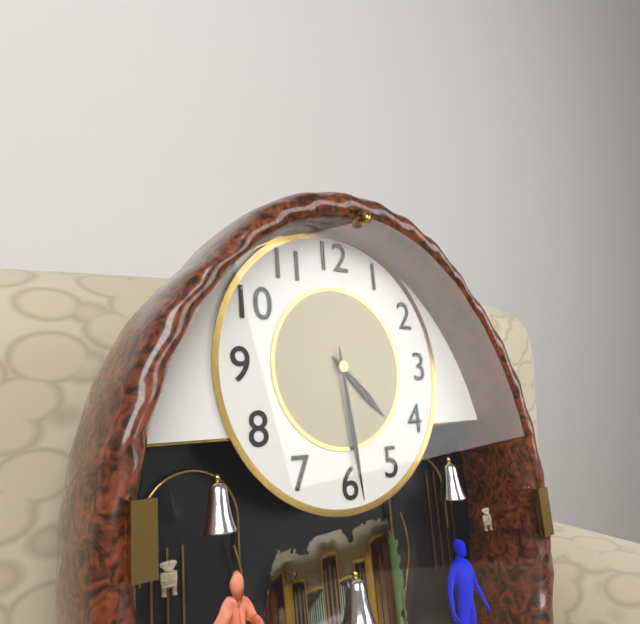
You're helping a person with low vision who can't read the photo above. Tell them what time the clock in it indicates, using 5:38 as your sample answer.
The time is 4:29
